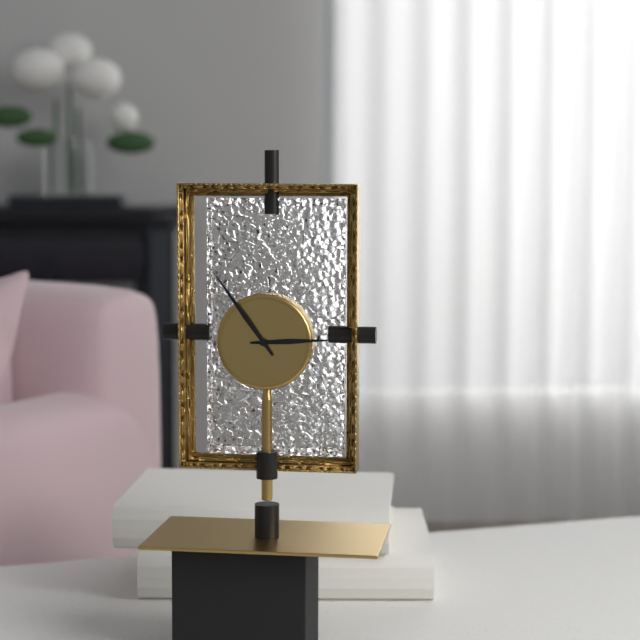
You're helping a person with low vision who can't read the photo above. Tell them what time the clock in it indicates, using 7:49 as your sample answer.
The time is 2:54
